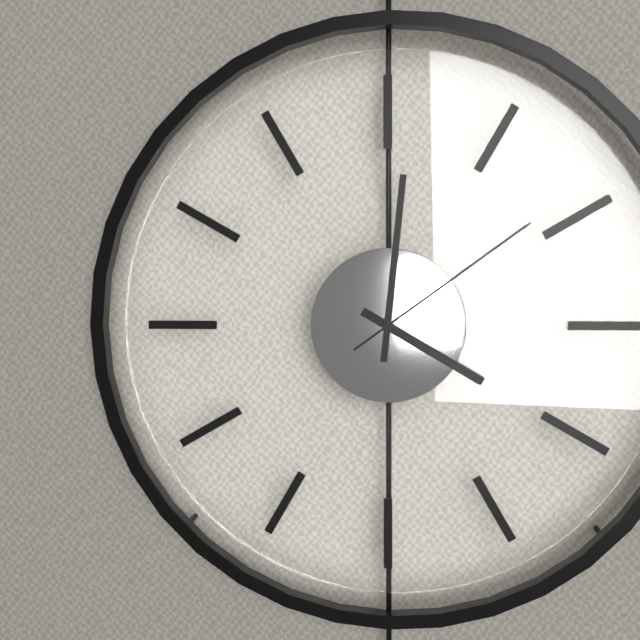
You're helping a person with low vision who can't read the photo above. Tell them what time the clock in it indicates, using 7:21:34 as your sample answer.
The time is 4:01:09
